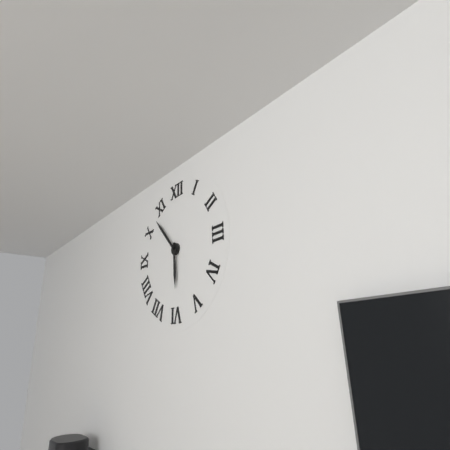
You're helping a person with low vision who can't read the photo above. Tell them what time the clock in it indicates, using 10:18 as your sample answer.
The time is 5:53
